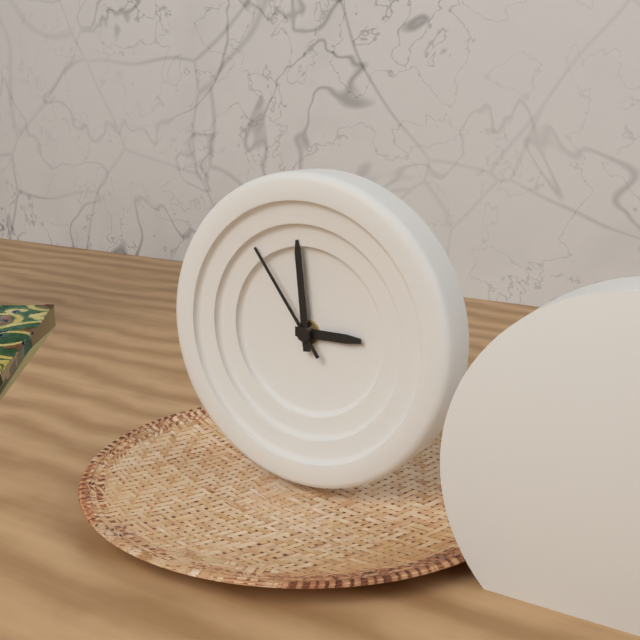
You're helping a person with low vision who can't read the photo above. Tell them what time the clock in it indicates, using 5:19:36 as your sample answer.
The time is 2:59:54
